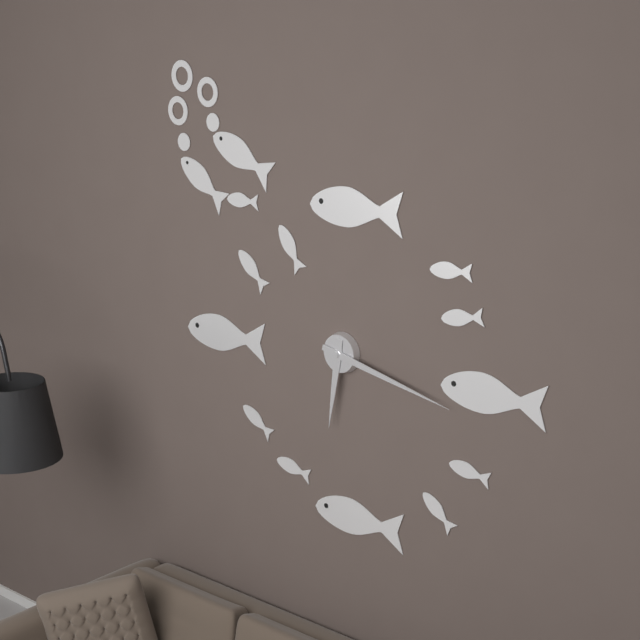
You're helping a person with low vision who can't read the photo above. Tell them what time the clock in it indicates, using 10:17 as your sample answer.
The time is 6:17
